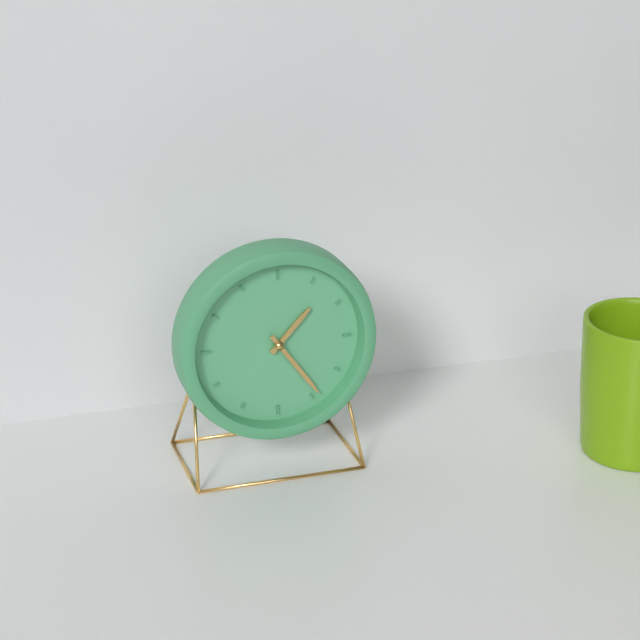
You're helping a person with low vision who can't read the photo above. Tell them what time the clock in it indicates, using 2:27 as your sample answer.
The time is 1:24
